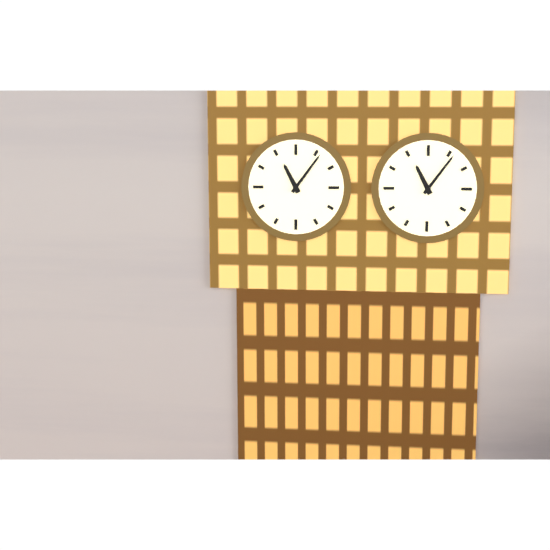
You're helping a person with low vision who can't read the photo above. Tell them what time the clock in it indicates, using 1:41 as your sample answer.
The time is 11:06
